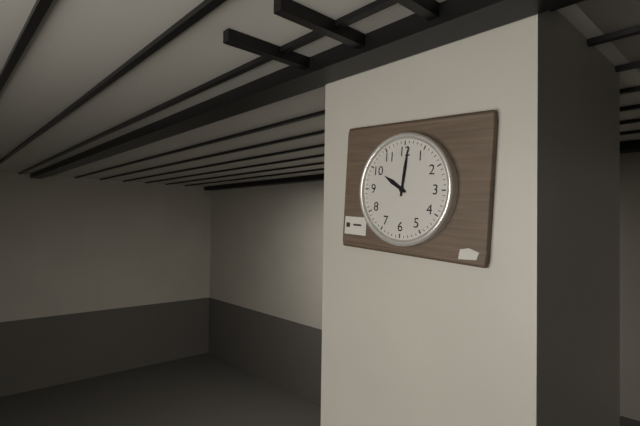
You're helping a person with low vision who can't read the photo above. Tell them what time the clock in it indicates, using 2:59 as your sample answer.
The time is 10:01
